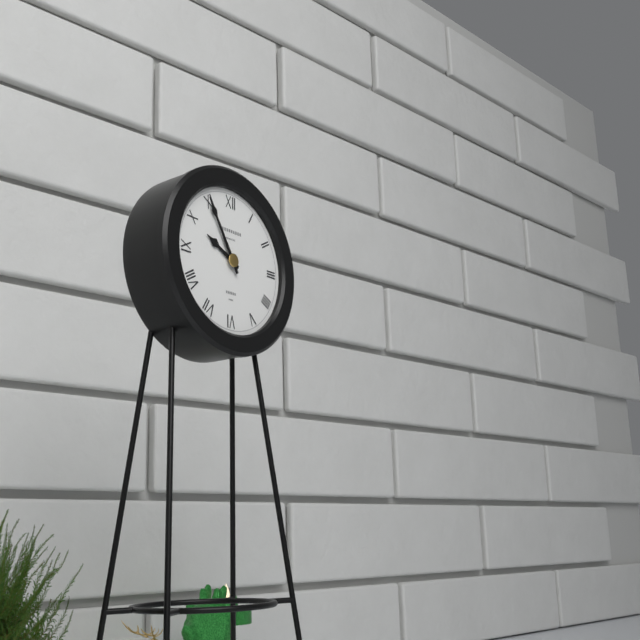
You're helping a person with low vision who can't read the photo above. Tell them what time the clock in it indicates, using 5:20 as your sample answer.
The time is 9:55
